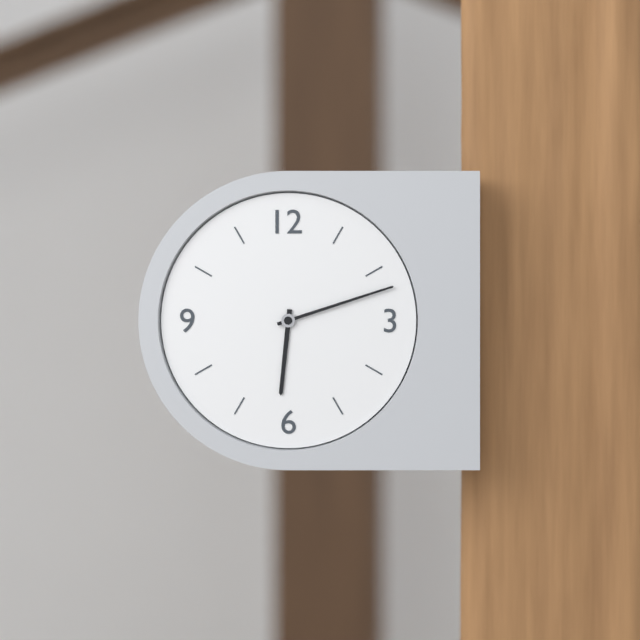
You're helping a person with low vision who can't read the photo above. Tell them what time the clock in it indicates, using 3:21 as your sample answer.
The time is 6:12
